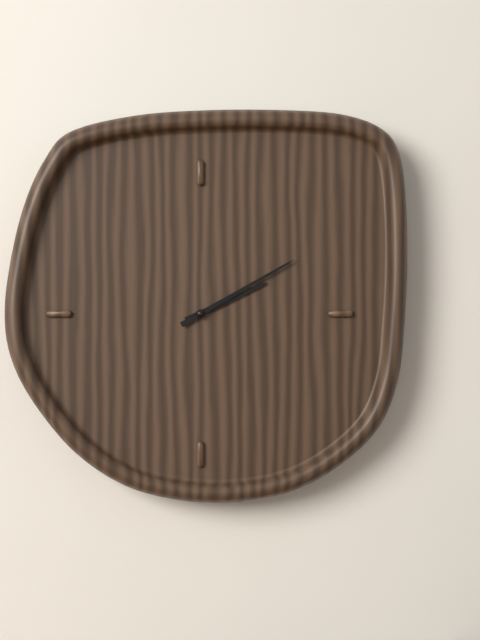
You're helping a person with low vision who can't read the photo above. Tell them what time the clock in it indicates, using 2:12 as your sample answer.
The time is 2:10
